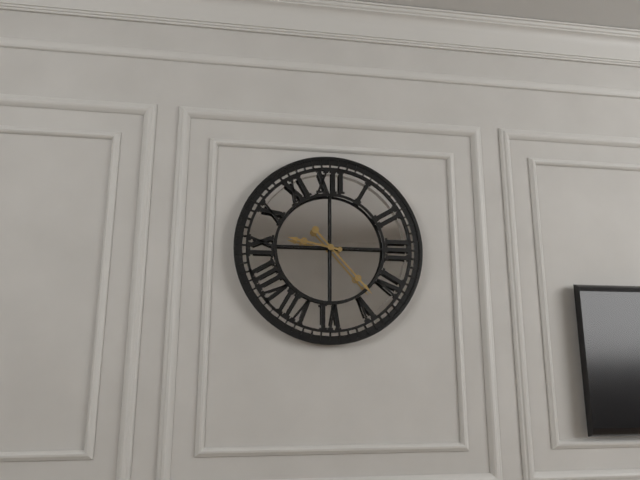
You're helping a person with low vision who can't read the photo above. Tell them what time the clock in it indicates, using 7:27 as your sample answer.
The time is 9:23
